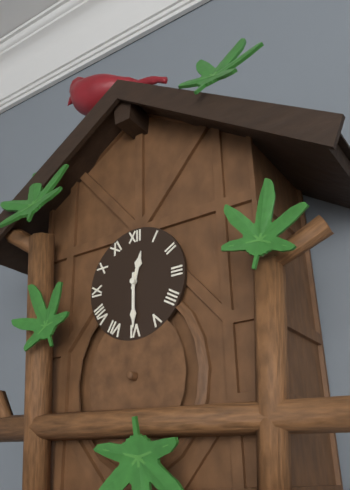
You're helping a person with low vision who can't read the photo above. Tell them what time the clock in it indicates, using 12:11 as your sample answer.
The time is 12:30
